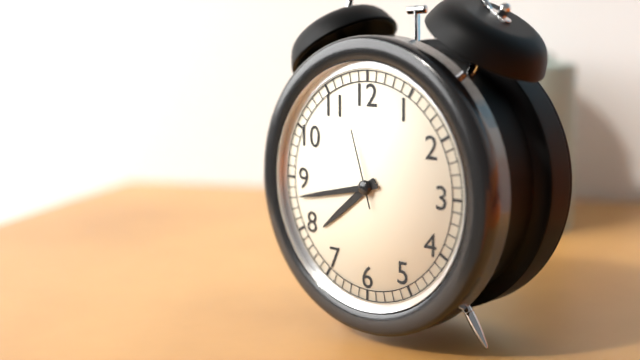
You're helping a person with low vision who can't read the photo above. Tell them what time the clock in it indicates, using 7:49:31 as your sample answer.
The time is 7:43:57
